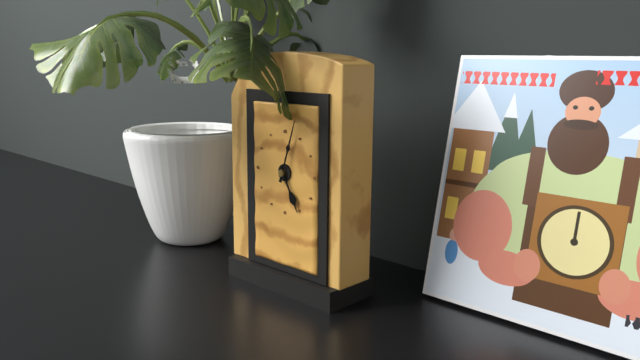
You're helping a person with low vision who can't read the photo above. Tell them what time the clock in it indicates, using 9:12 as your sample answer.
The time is 5:03
